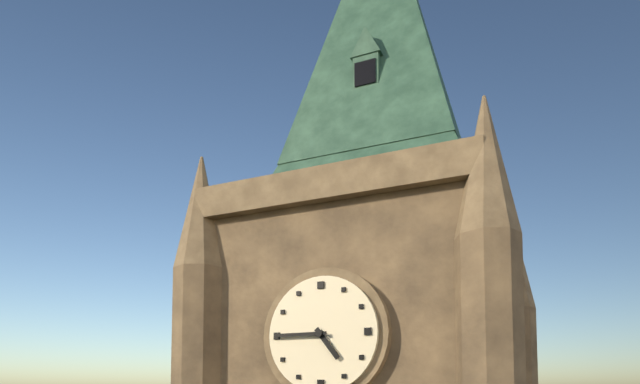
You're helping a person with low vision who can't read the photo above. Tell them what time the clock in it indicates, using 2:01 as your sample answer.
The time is 4:45
